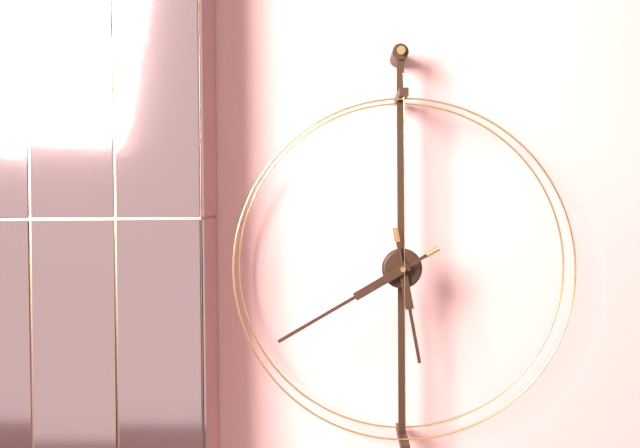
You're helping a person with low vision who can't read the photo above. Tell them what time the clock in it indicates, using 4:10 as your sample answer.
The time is 5:40
